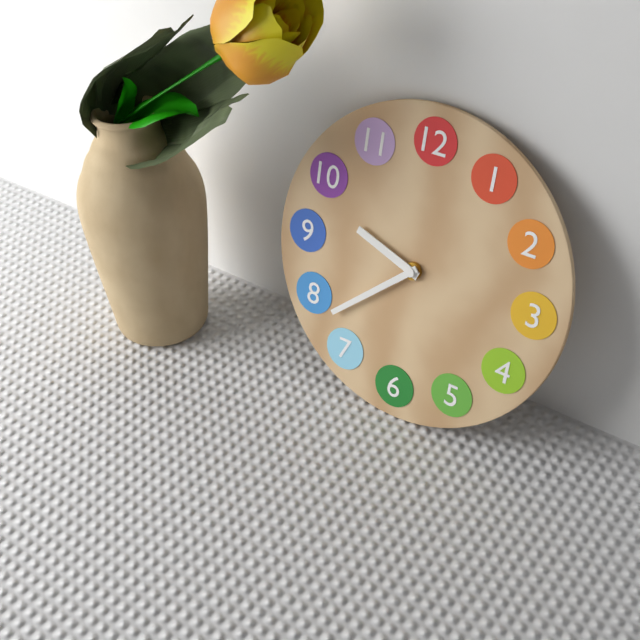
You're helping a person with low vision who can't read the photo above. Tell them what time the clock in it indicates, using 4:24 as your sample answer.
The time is 9:38
